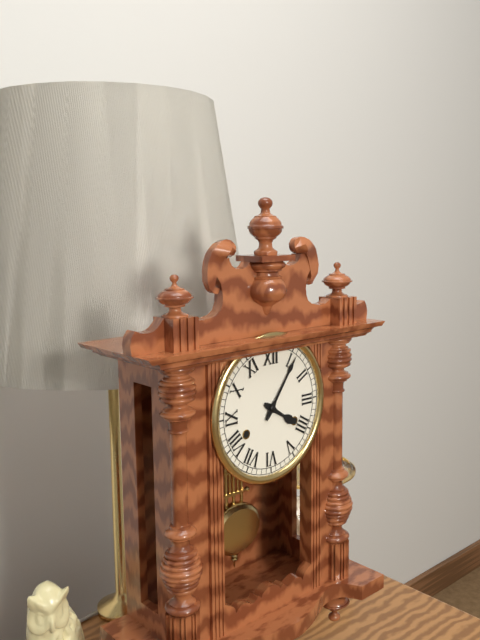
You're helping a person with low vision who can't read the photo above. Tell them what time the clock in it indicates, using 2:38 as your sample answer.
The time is 4:06
